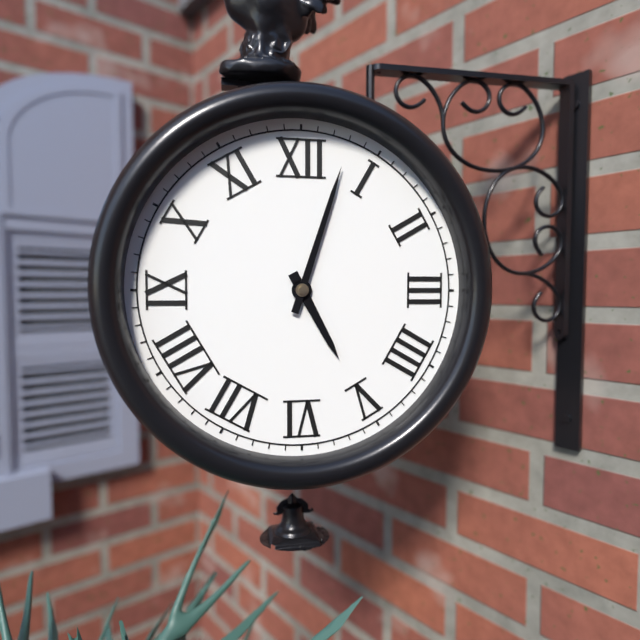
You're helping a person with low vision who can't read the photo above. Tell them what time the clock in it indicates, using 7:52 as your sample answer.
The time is 5:03
